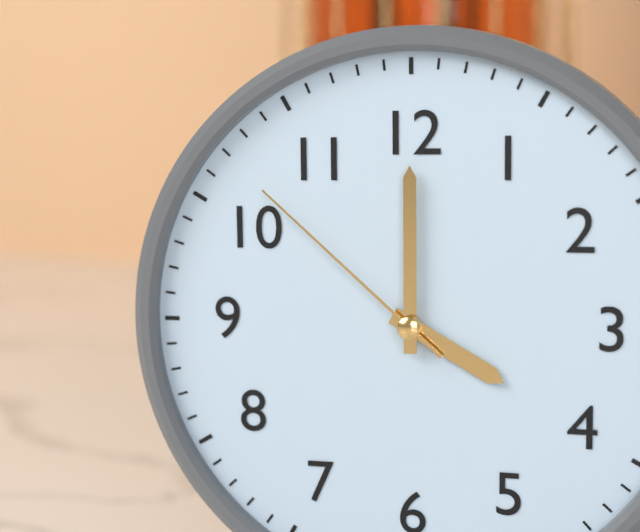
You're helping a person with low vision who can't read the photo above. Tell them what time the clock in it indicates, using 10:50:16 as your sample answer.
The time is 4:00:52
